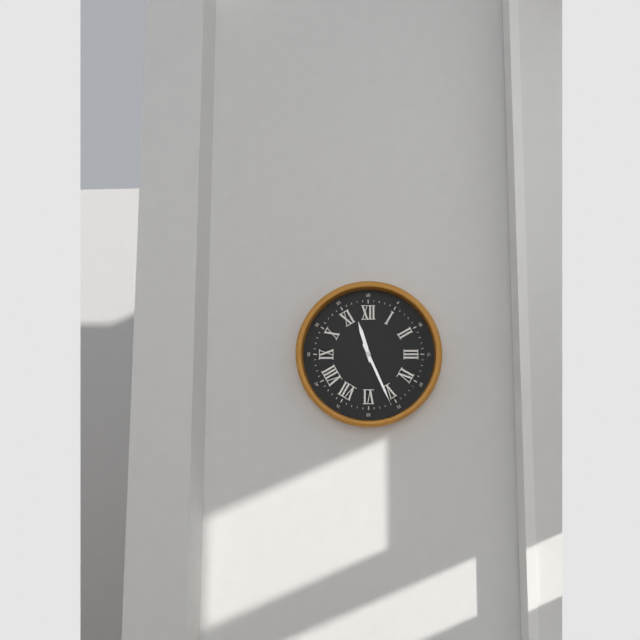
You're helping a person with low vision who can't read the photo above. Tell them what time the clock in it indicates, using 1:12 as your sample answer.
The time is 11:26
